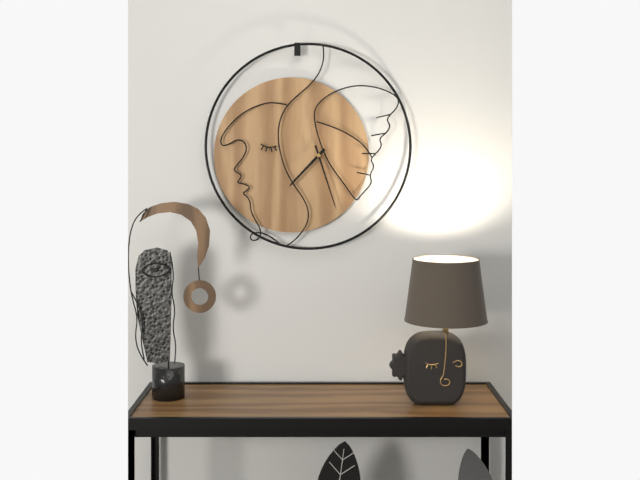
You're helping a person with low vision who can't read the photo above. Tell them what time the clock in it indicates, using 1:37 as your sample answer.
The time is 7:27
